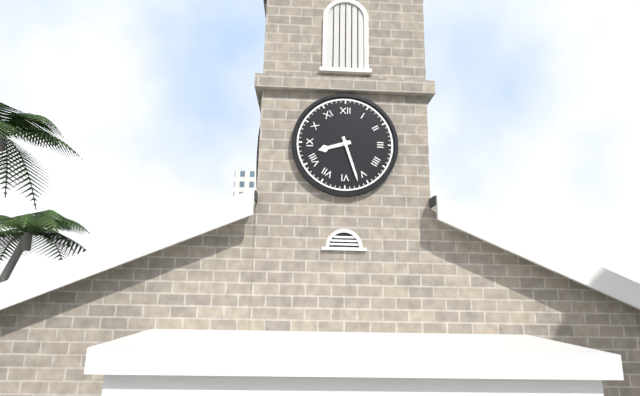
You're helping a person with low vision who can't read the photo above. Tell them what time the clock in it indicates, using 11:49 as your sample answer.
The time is 8:27
